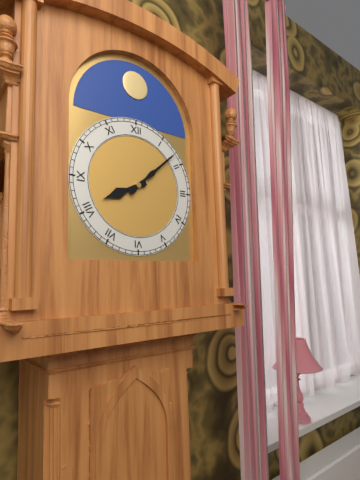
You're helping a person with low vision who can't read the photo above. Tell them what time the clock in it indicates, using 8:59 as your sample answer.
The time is 8:08
